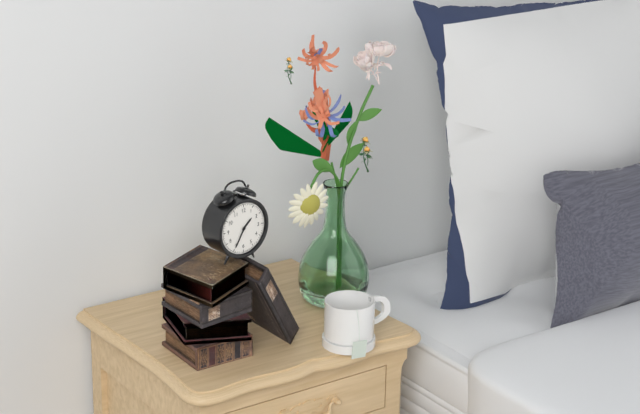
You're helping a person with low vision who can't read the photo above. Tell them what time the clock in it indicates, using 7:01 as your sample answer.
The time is 1:35
